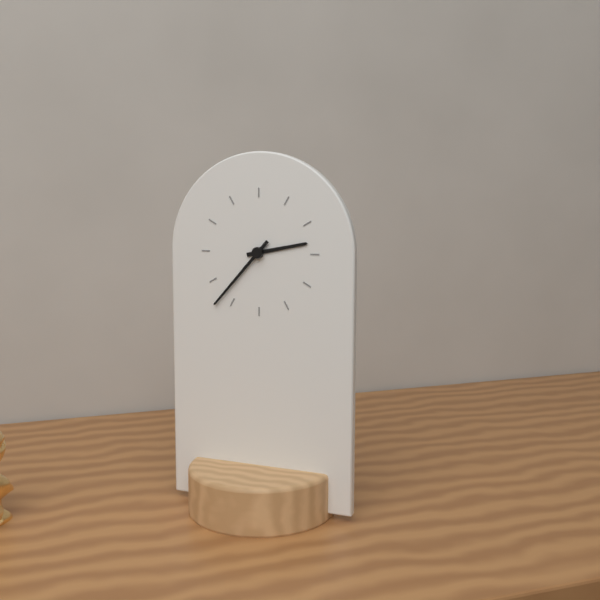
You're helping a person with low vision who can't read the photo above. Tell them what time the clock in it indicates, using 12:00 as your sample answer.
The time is 2:37
